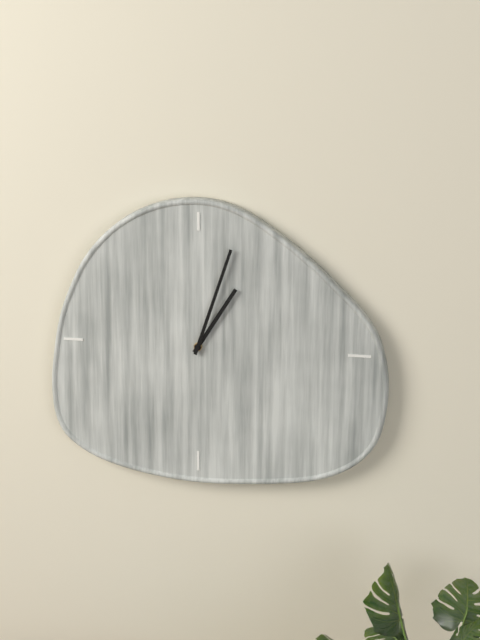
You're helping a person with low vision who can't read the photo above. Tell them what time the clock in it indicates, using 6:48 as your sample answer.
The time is 1:03
